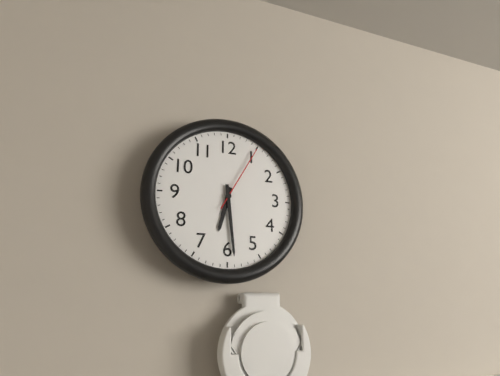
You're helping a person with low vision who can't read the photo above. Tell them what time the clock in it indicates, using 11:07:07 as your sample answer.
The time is 6:29:05
